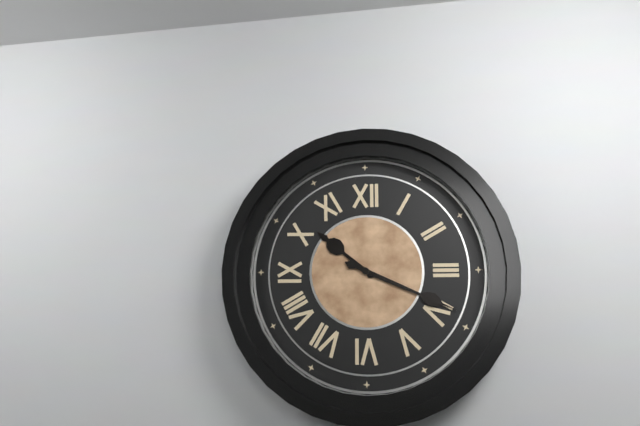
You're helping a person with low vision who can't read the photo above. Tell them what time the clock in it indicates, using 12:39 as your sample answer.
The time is 10:19
